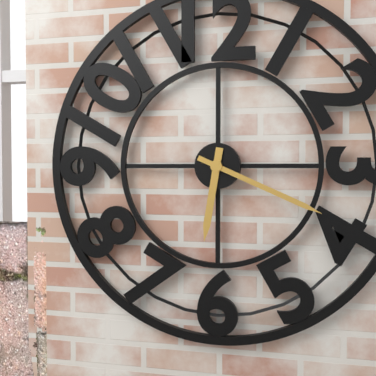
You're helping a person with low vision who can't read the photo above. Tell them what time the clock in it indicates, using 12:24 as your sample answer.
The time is 6:19
